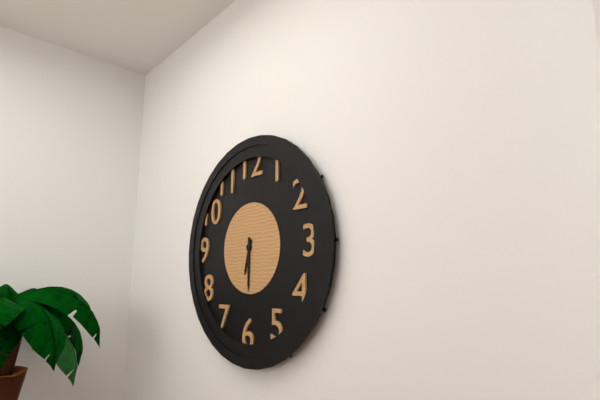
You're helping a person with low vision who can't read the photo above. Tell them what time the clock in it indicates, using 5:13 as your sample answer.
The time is 6:30
